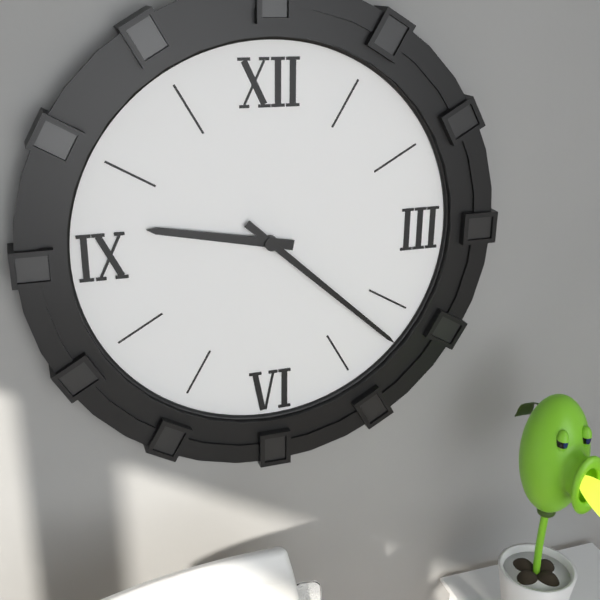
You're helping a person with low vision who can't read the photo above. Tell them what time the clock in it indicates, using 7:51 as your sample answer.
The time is 9:22
